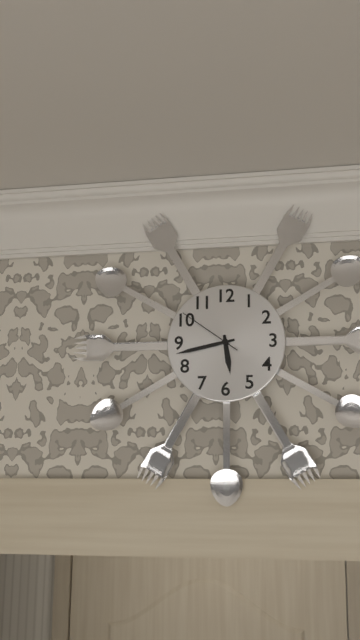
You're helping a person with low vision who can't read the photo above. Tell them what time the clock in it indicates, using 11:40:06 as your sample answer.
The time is 5:43:51
